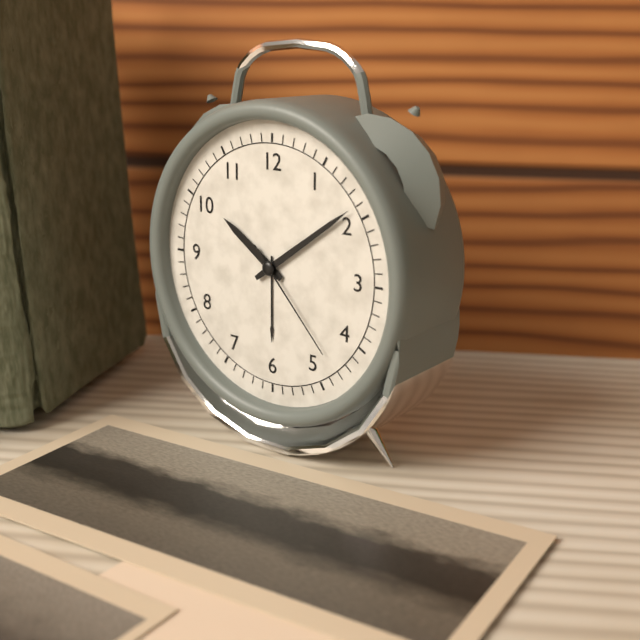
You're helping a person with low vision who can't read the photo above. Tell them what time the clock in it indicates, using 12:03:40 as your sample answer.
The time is 10:09:23
